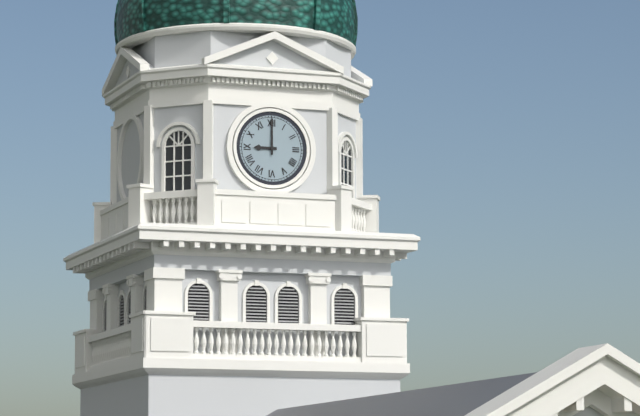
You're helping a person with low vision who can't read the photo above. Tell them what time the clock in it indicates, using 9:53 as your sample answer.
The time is 9:00
